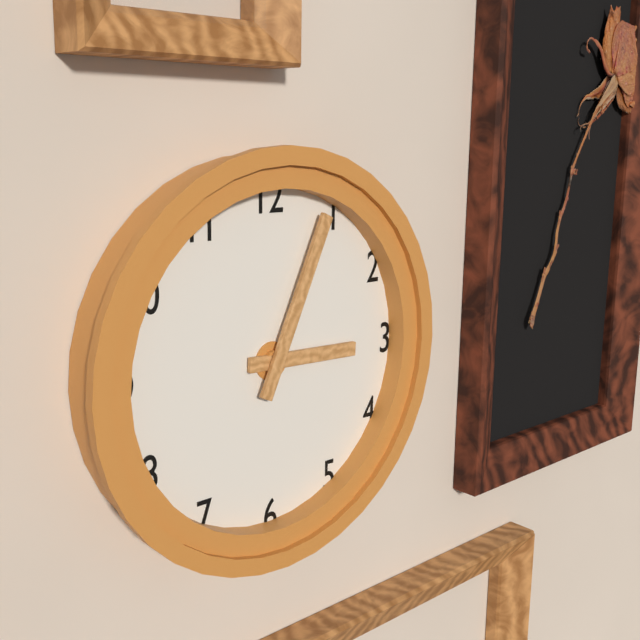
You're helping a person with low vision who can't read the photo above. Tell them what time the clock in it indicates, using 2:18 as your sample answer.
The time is 3:04
